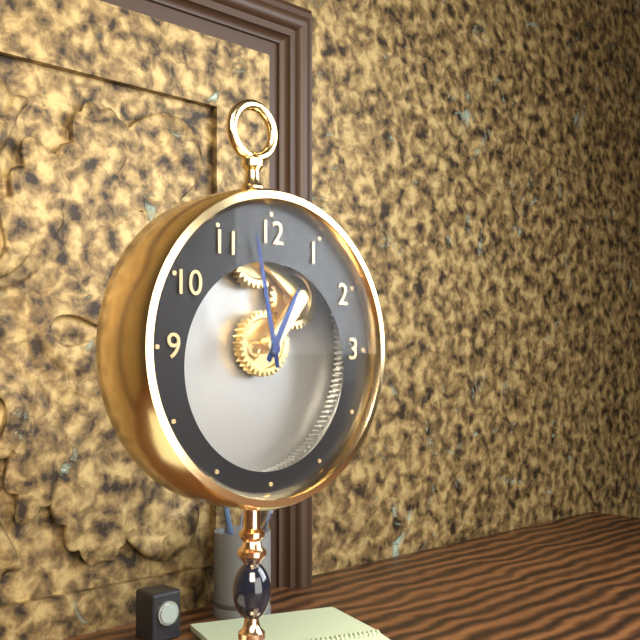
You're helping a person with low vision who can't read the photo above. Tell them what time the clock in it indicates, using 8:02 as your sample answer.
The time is 12:58
